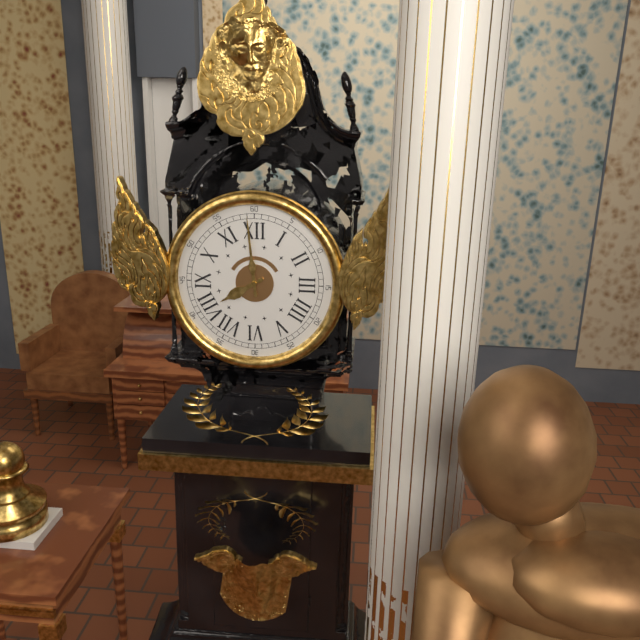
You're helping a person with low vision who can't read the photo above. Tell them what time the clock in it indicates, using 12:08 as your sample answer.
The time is 7:59
